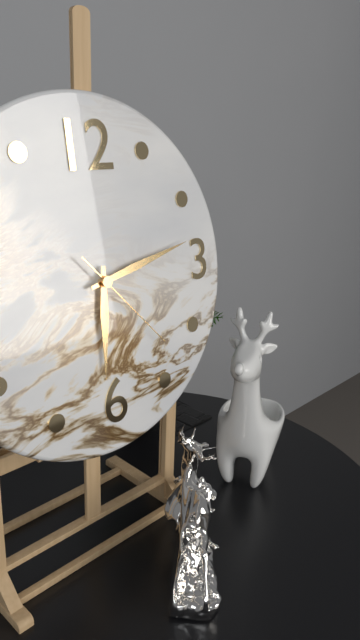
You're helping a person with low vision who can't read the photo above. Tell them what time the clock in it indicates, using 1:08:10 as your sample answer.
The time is 6:13:23
